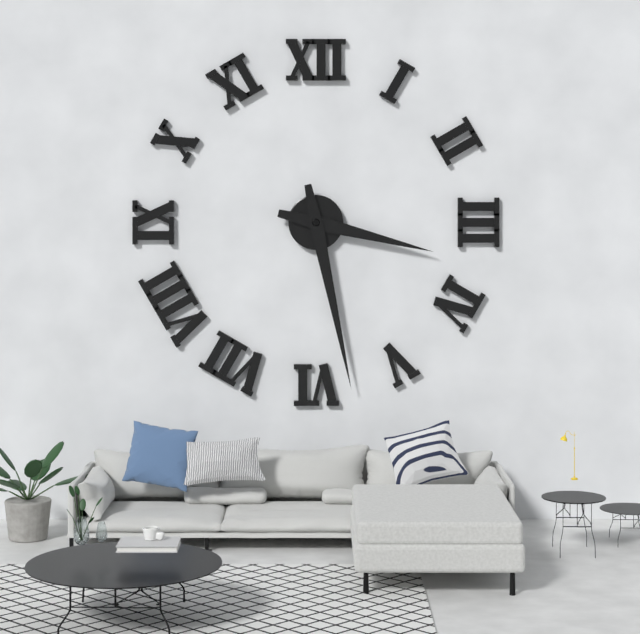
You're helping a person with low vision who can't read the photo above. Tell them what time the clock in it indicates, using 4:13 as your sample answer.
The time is 3:28
